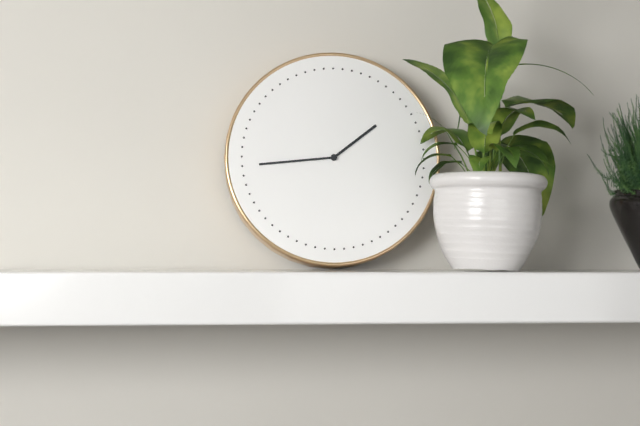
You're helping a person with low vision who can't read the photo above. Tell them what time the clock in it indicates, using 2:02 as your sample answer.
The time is 1:44
